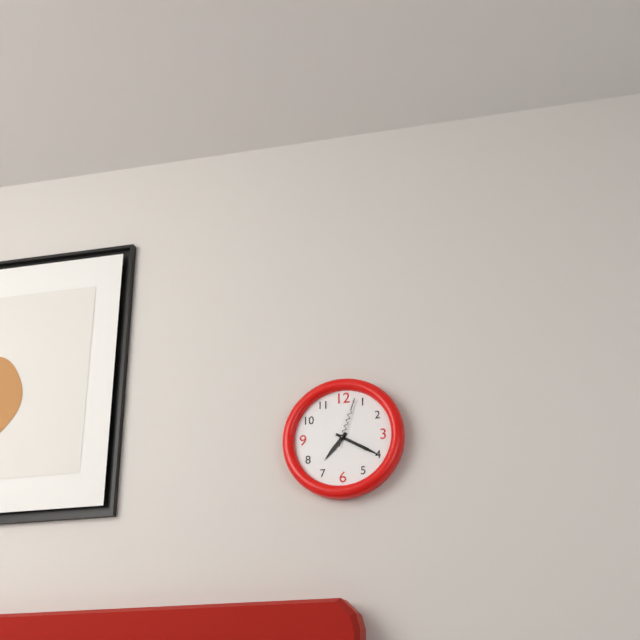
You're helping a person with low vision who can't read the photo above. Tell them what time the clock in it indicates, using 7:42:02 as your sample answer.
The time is 7:20:03
